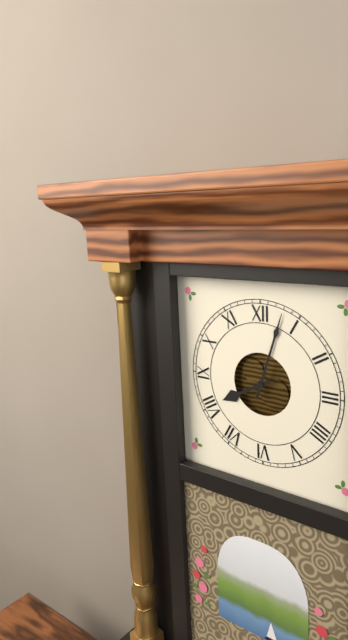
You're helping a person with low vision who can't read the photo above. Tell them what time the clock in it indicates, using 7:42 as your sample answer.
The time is 8:03
